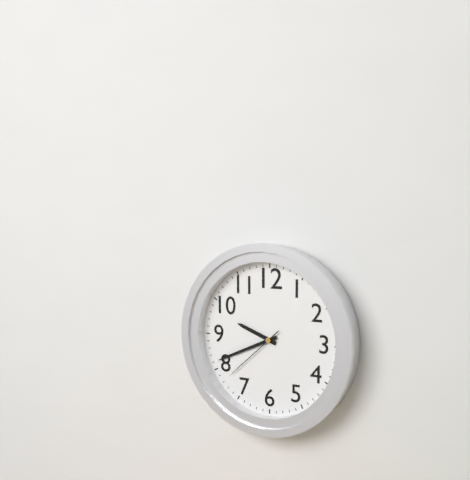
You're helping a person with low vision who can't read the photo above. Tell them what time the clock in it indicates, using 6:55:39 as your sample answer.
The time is 9:41:38
